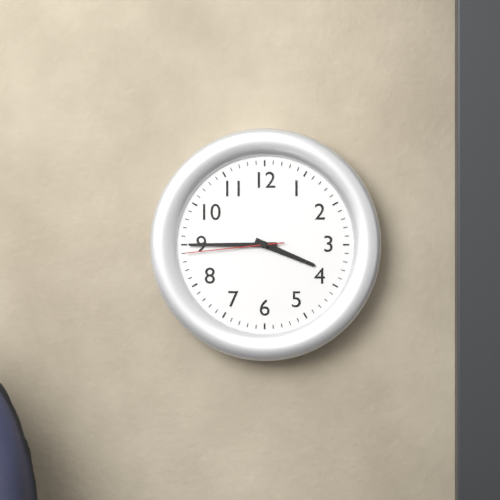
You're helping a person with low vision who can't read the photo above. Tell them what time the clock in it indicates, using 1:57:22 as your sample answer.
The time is 3:45:44
